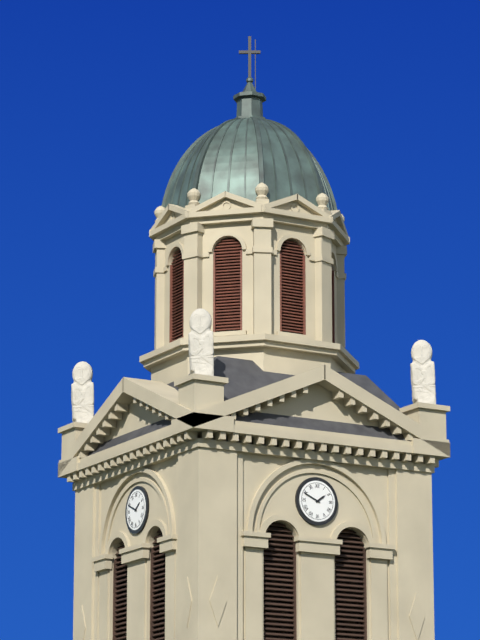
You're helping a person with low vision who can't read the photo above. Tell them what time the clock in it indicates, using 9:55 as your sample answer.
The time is 1:49
